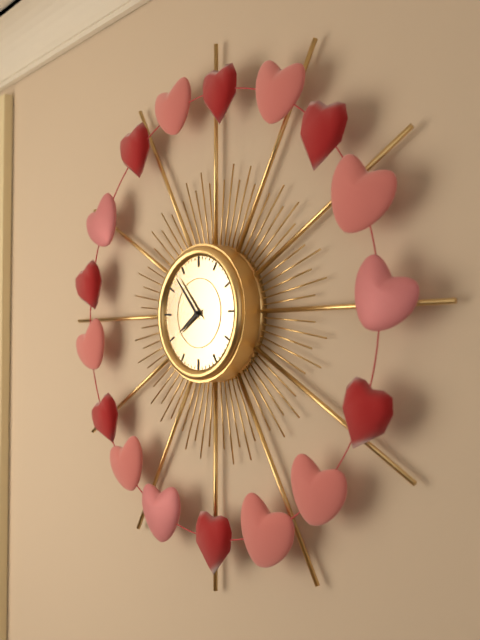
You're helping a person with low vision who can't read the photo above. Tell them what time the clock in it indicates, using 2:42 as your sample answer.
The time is 7:53
